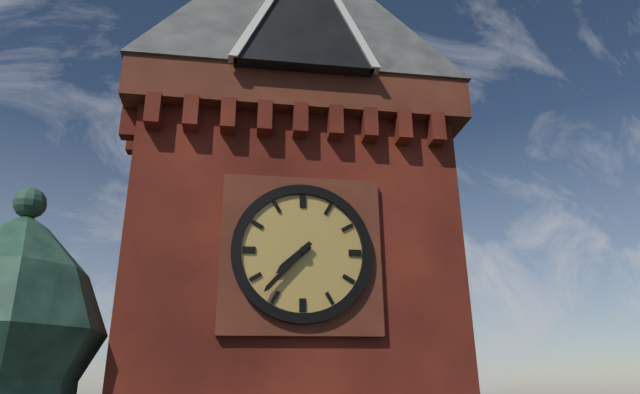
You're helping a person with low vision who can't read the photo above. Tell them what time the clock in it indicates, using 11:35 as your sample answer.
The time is 7:37
